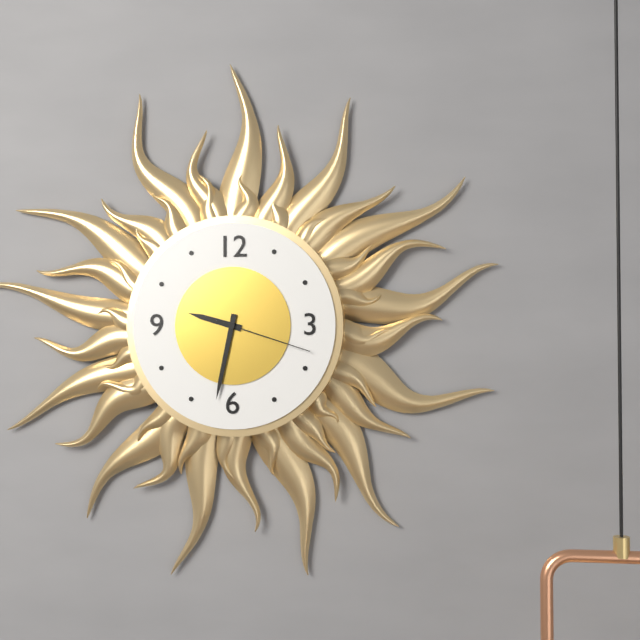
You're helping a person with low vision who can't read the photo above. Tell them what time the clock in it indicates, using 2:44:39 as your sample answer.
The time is 9:32:18
